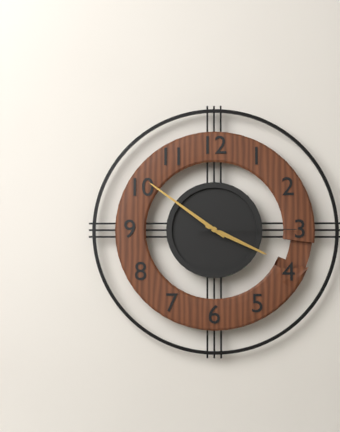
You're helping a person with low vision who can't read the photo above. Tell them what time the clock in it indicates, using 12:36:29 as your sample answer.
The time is 3:51:15
